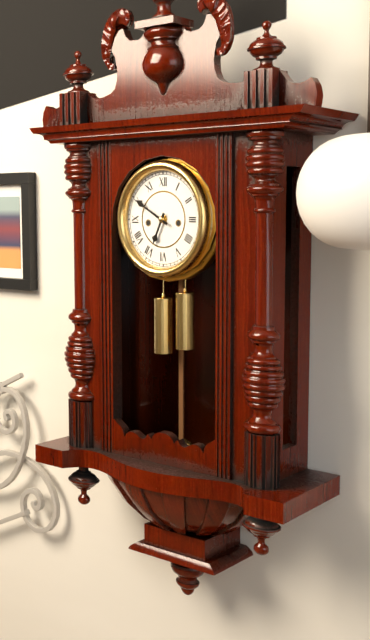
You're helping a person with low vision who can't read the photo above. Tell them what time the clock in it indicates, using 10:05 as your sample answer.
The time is 6:50
